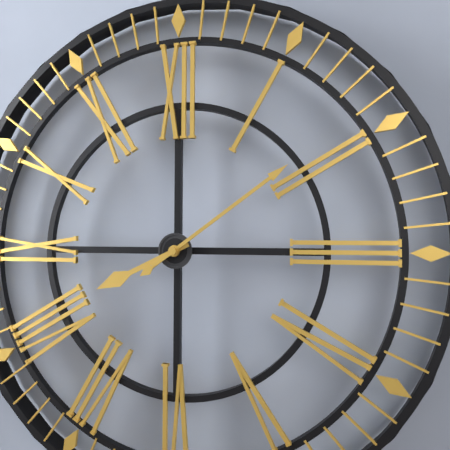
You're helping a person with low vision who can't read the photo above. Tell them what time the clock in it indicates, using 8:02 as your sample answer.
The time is 8:09
